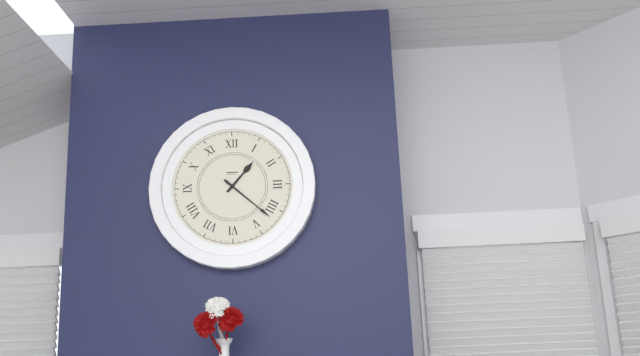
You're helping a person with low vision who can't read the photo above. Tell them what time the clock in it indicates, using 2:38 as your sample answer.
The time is 1:22
